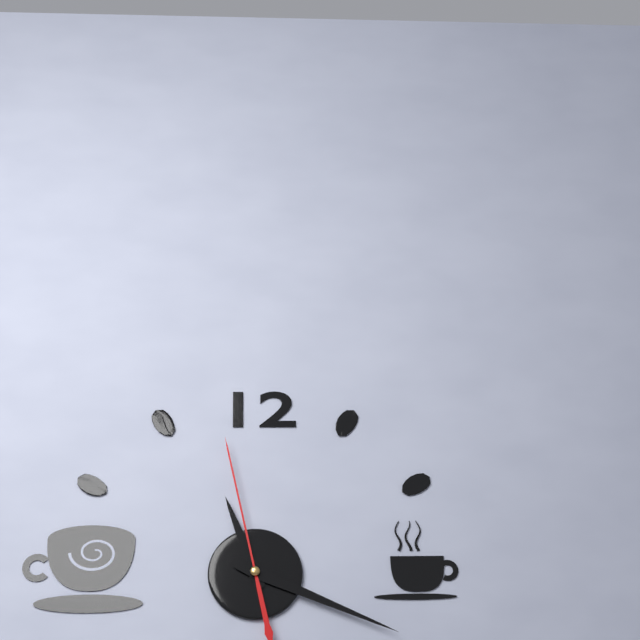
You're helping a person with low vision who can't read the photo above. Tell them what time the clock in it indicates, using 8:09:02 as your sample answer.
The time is 11:19:58
